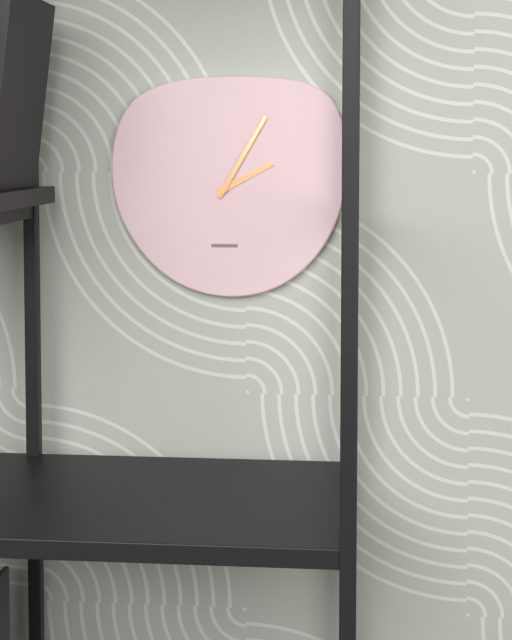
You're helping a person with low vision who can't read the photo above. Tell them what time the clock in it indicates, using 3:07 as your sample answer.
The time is 2:05
